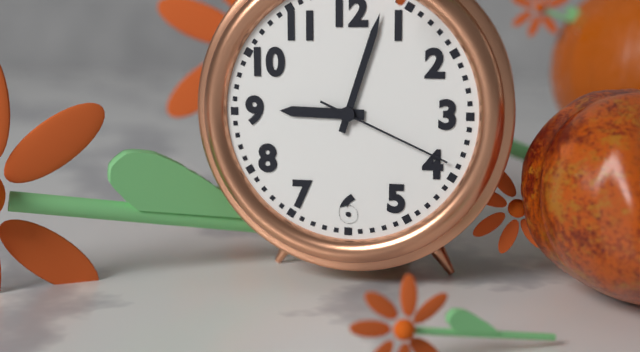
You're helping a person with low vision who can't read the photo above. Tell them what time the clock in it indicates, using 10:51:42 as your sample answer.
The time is 9:03:19
